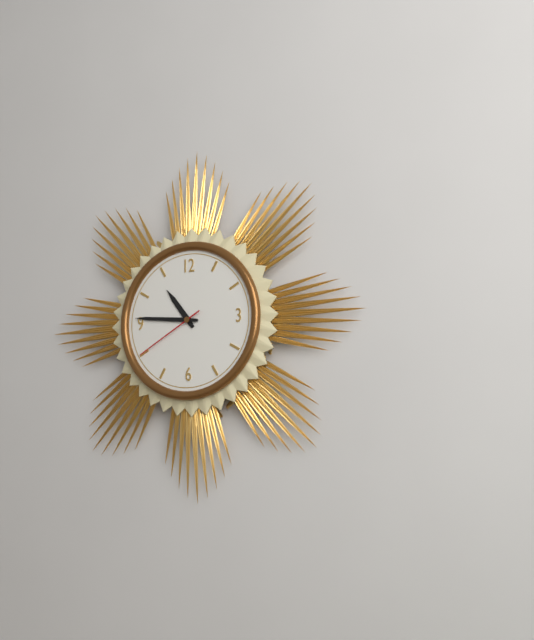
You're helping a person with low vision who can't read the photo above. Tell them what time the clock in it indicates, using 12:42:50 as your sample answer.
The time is 10:46:40
